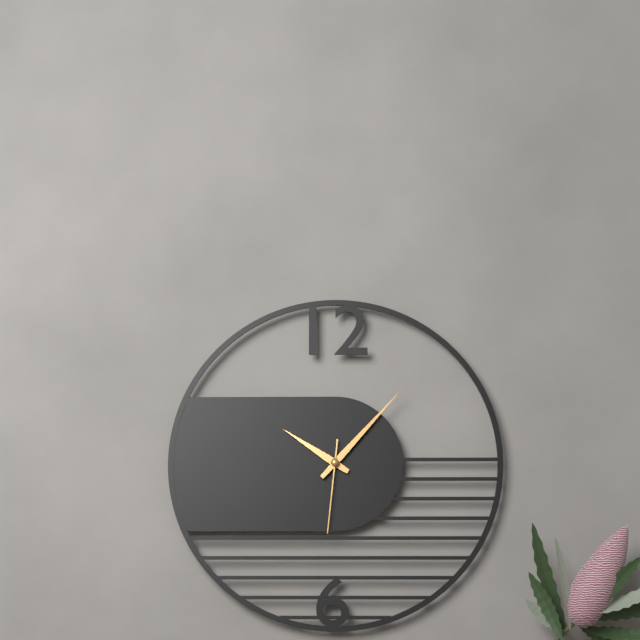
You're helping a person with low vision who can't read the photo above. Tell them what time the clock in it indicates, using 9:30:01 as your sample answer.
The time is 10:07:31
